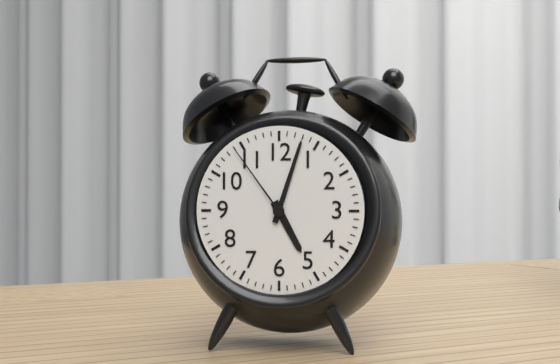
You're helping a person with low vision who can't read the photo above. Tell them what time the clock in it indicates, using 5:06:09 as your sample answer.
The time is 5:03:54
